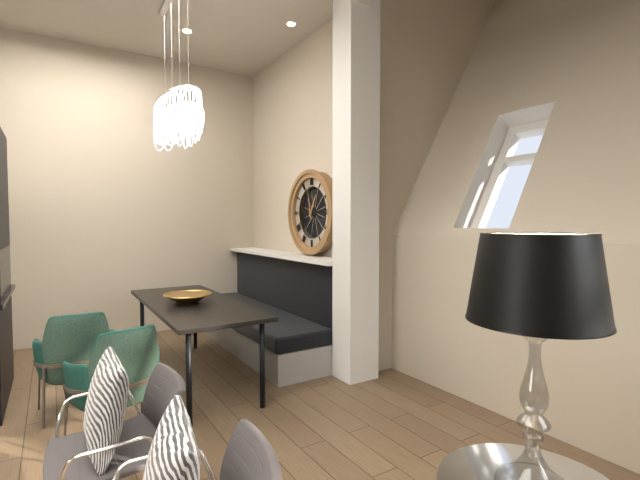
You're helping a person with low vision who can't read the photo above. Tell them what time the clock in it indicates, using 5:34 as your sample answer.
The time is 12:58
